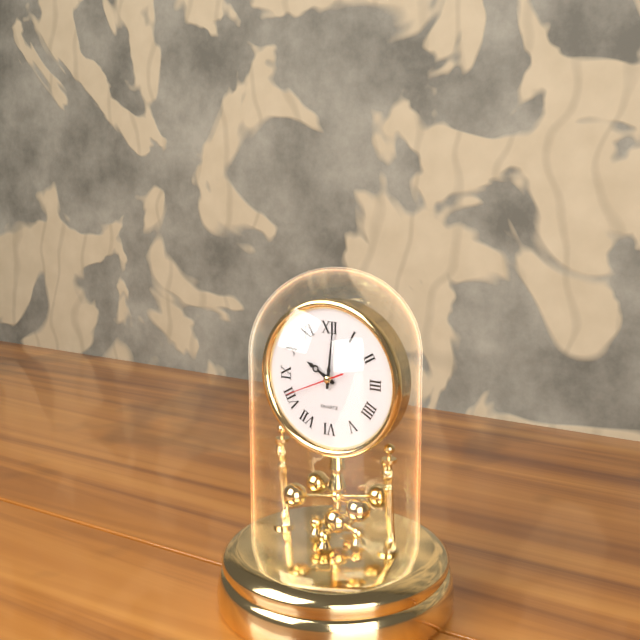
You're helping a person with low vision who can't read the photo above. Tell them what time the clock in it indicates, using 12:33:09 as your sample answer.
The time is 10:01:41
